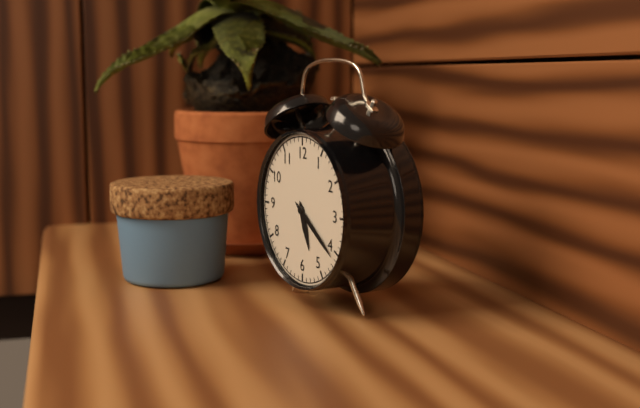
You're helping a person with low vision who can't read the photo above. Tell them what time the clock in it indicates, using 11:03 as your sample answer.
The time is 5:21
